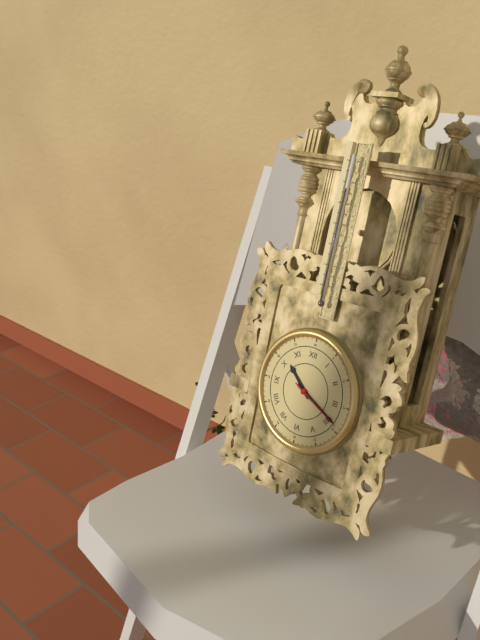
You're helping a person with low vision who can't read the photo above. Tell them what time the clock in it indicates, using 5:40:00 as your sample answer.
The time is 10:19:19
